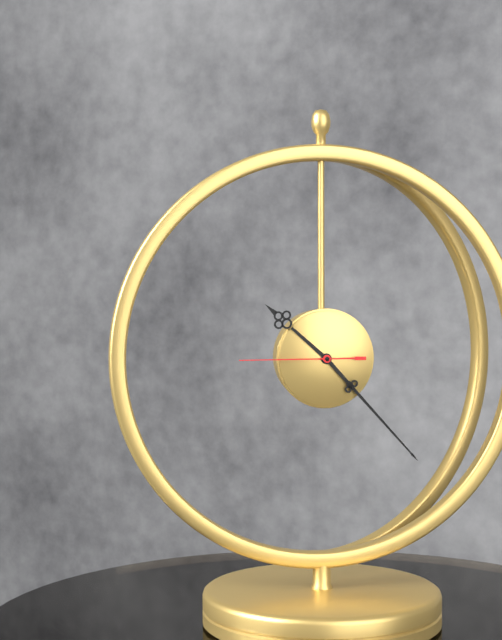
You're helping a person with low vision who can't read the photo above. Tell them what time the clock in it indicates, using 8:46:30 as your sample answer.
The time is 10:23:45
